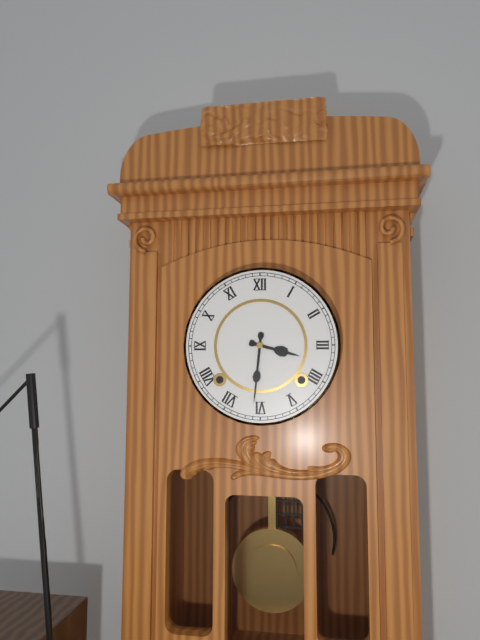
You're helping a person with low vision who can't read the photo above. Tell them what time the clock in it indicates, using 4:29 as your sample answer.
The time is 3:31
